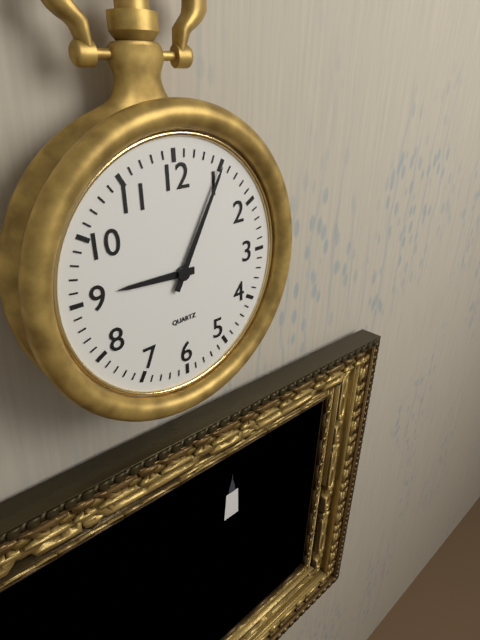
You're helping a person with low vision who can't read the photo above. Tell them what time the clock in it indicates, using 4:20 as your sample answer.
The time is 9:05
